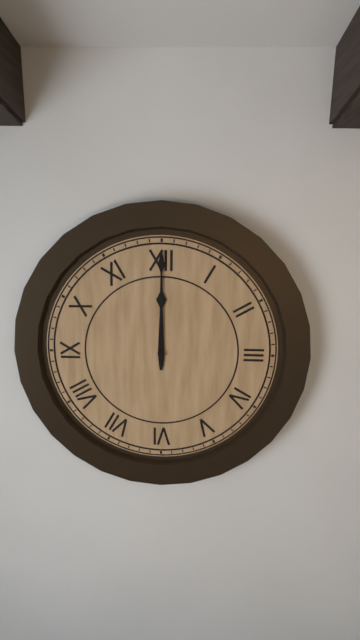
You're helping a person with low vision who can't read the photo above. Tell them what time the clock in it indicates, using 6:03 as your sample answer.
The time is 12:00
